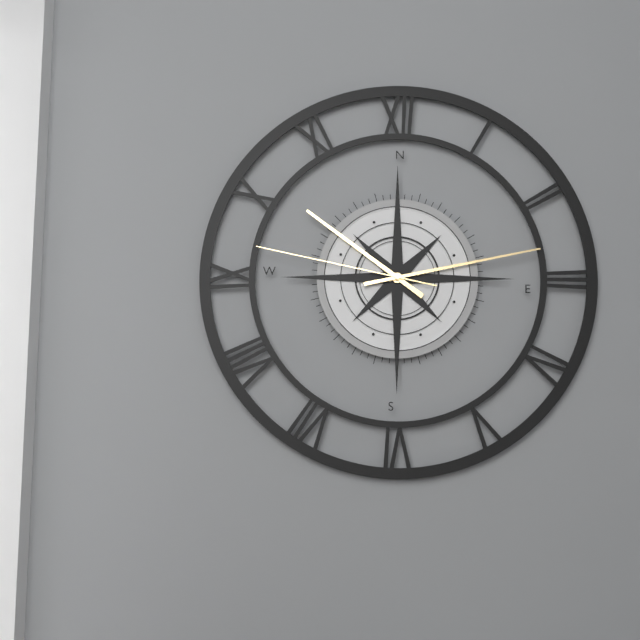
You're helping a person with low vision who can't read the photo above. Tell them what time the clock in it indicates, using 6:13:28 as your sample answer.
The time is 10:13:47
